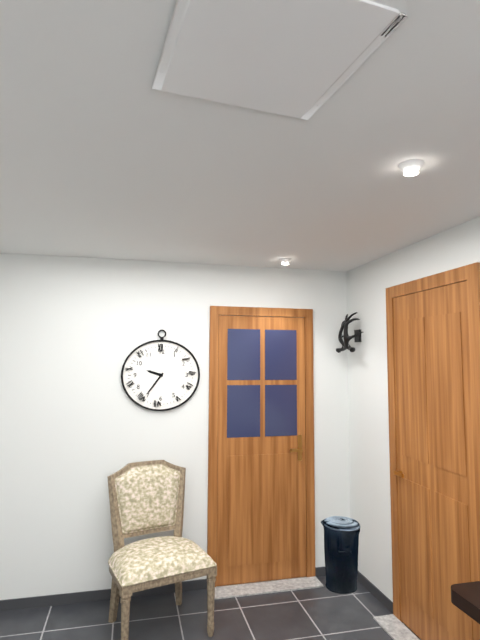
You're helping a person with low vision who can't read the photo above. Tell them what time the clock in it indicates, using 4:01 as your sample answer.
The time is 9:36
